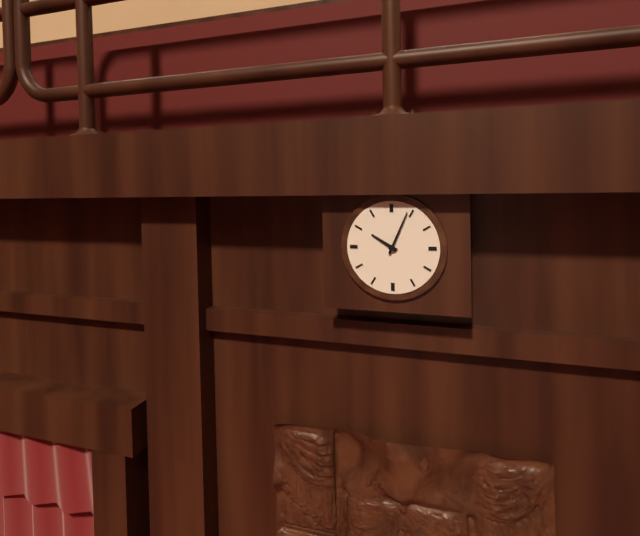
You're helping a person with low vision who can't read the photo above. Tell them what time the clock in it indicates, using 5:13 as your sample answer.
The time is 10:04
